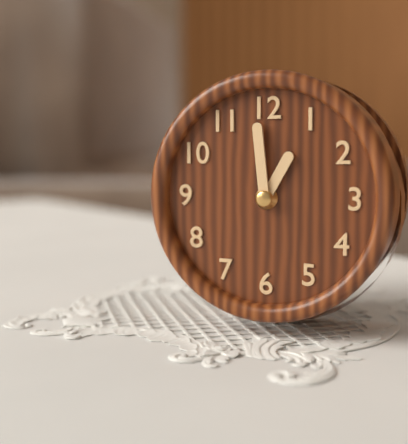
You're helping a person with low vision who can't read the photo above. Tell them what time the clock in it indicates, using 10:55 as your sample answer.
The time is 12:59
